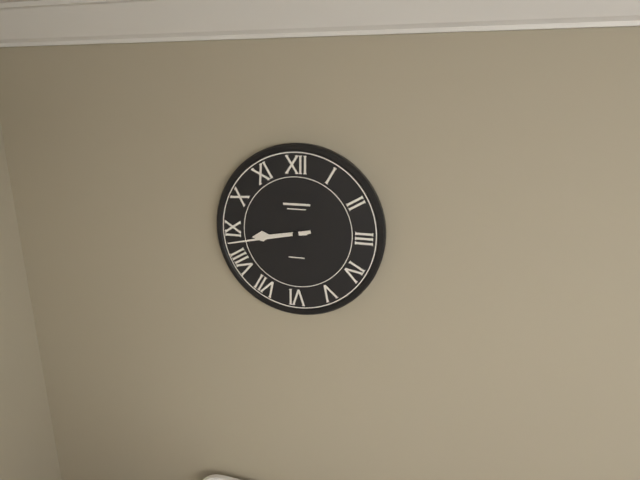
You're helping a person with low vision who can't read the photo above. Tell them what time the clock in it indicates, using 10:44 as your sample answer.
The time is 8:43
